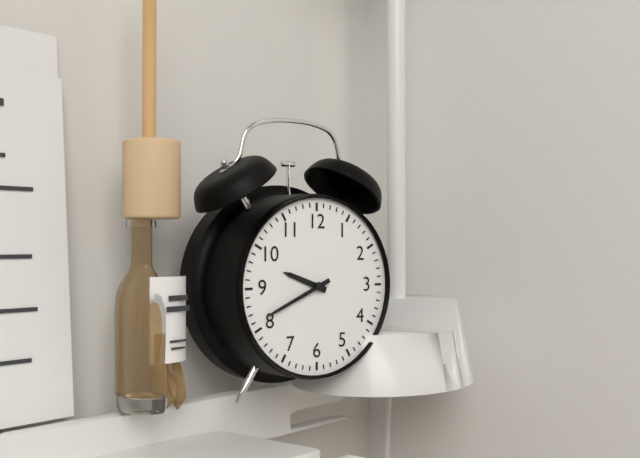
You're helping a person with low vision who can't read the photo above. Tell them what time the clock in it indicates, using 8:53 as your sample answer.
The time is 9:41
